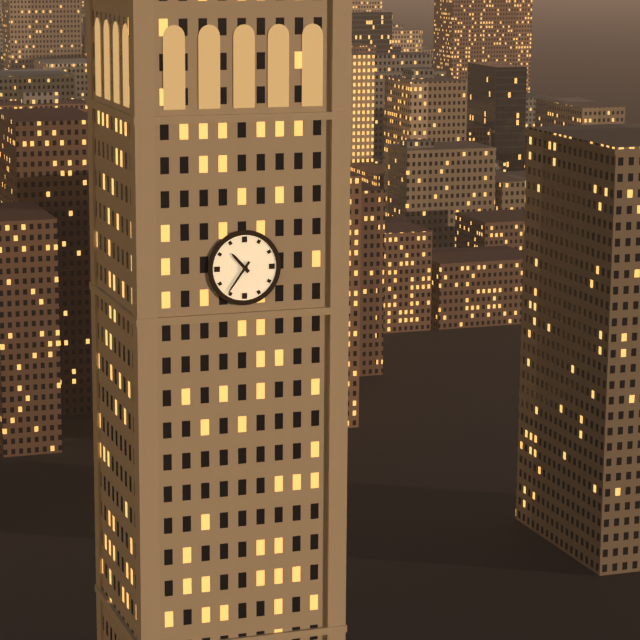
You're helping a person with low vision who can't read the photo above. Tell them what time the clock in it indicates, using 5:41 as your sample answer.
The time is 10:36
